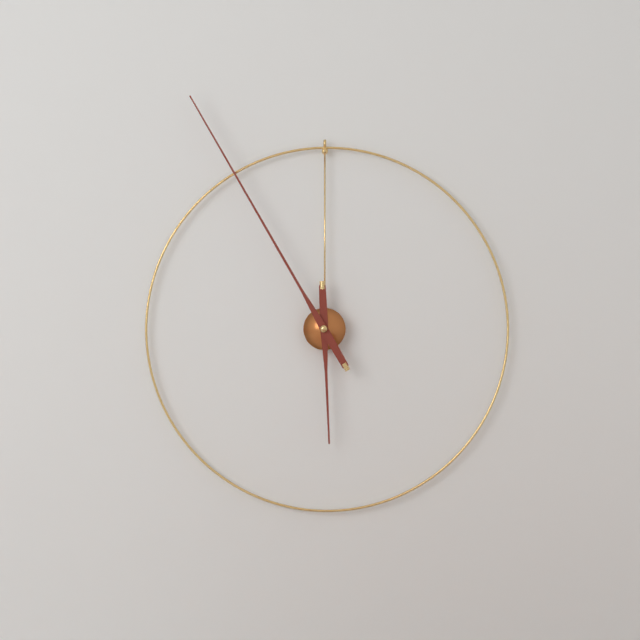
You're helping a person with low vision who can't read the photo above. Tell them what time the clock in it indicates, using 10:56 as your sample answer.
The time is 5:55
